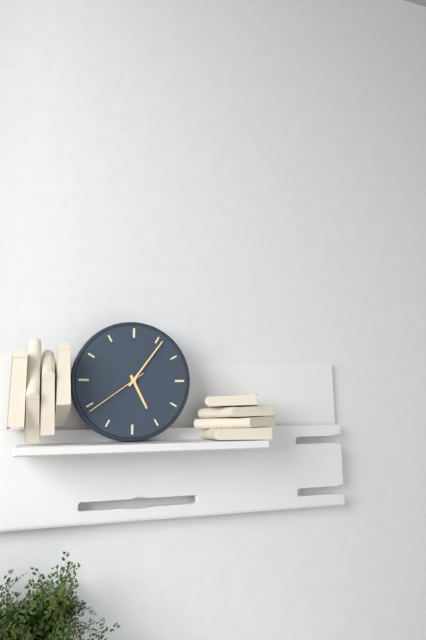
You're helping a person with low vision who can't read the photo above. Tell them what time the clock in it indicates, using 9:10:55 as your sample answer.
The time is 5:06:39
